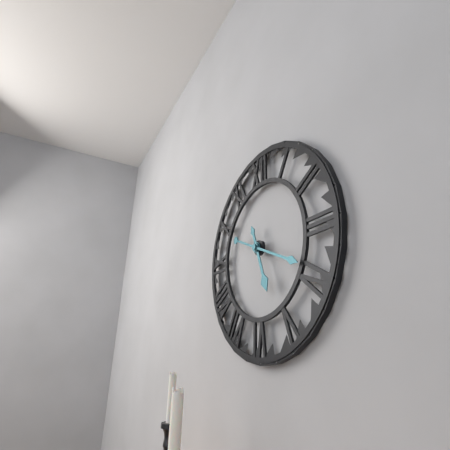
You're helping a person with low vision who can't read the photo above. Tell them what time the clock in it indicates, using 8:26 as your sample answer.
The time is 5:19
